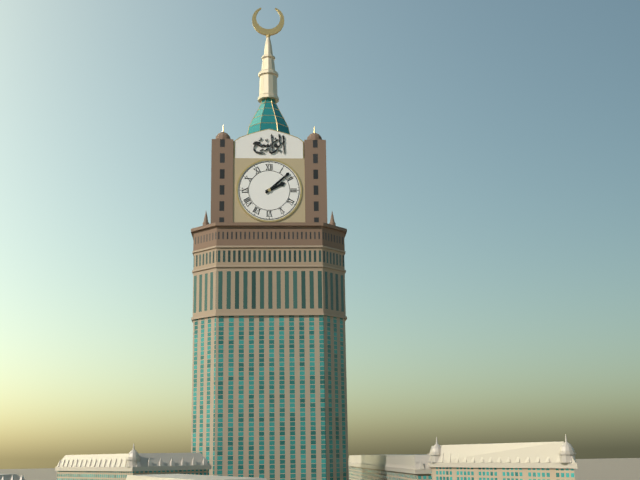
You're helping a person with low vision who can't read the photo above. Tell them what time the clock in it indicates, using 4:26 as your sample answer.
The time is 2:08
